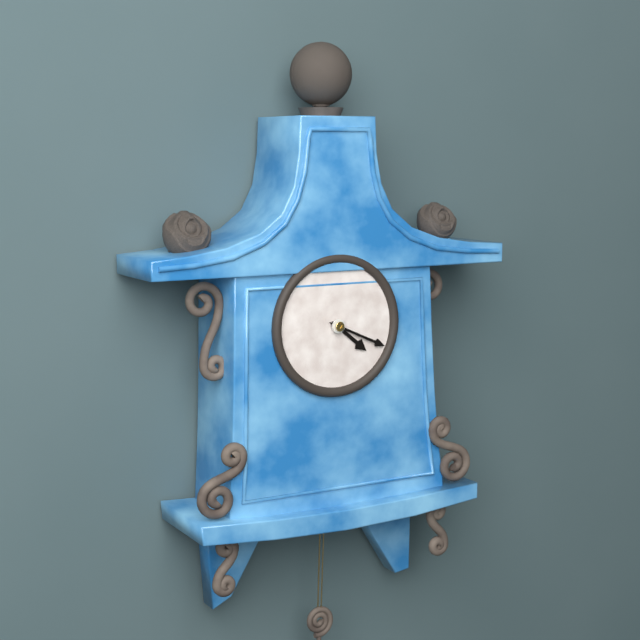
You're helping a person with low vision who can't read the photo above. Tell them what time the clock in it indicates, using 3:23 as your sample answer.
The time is 4:19
